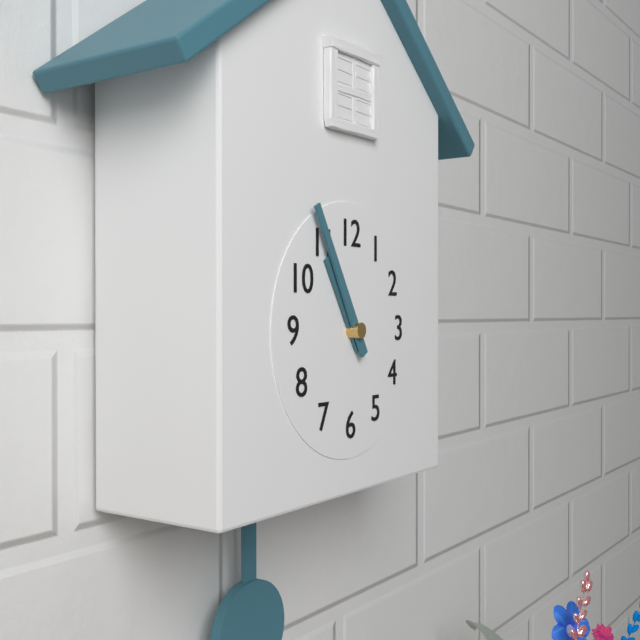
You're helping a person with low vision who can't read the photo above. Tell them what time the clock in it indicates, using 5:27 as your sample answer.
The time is 10:55
